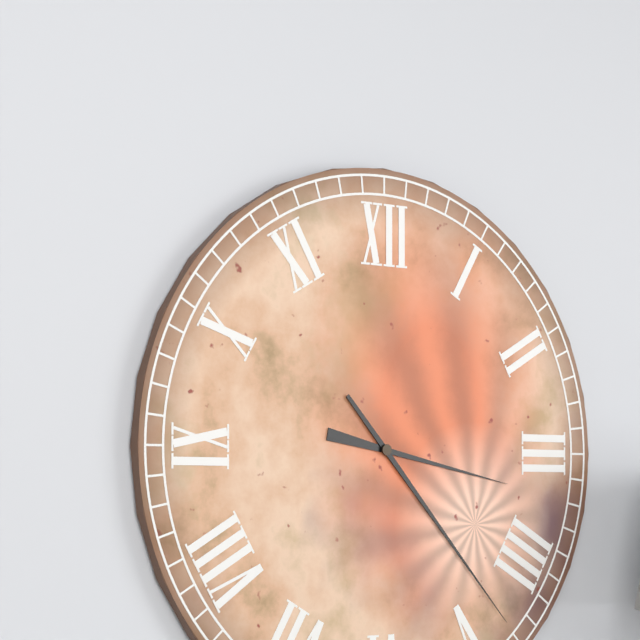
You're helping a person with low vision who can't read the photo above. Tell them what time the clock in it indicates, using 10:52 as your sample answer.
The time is 3:23
